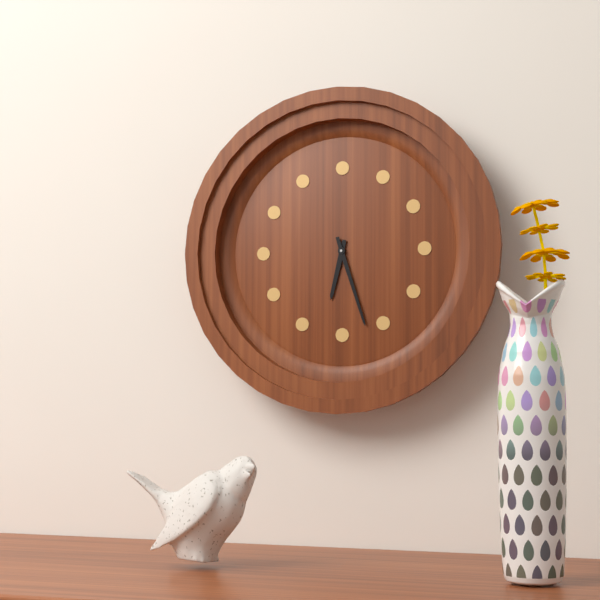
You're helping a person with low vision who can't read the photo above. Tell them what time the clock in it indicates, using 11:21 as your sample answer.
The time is 6:27
